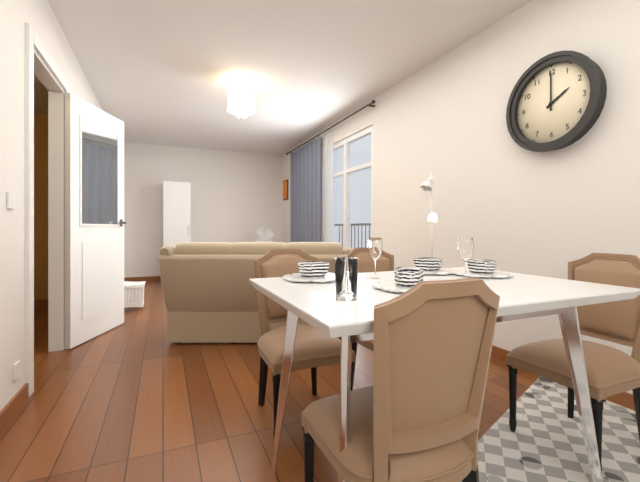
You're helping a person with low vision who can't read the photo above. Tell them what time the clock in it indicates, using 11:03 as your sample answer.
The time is 2:00
